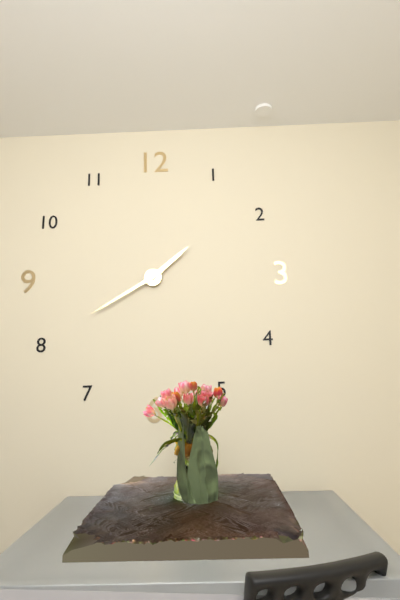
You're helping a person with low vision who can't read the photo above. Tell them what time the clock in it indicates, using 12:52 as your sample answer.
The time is 1:40
